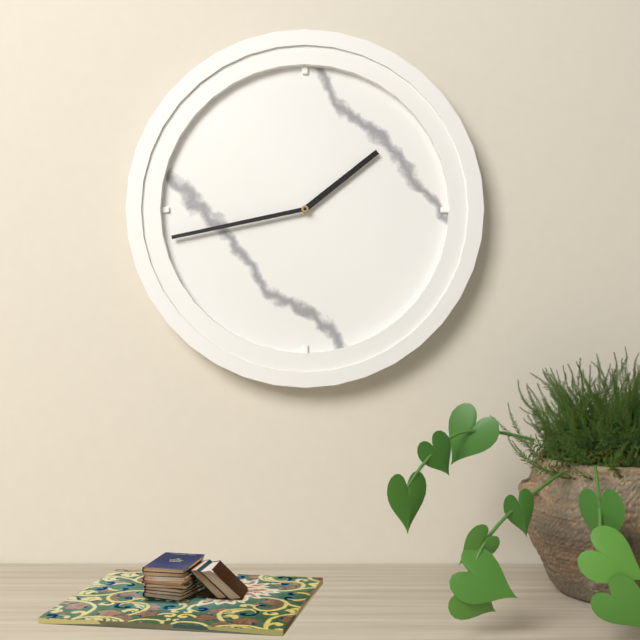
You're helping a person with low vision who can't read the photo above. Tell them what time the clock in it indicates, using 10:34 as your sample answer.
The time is 1:43
